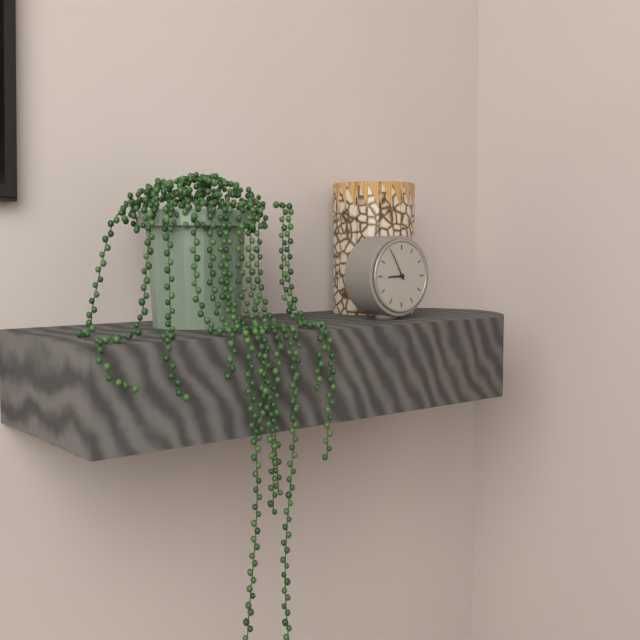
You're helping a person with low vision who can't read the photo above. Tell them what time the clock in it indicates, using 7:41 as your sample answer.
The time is 8:55
